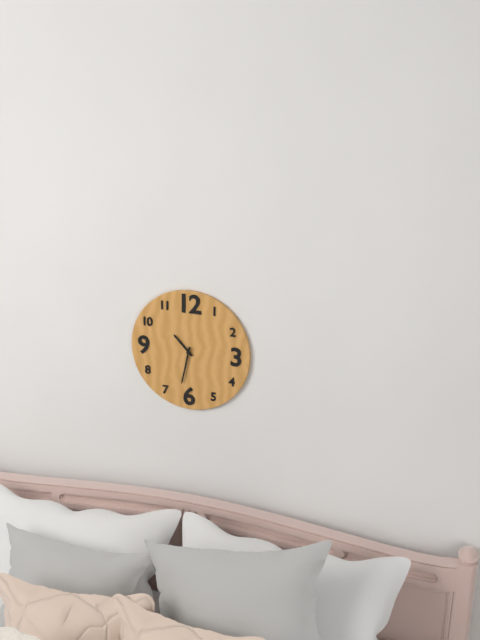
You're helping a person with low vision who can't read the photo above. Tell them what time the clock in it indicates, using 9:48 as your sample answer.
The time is 10:32
